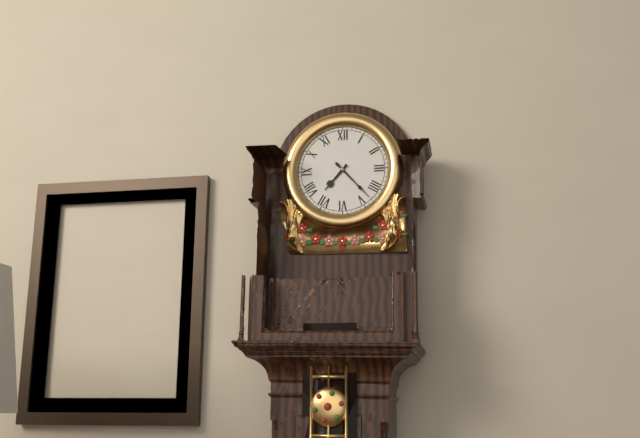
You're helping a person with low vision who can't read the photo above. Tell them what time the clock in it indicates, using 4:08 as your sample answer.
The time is 7:23
